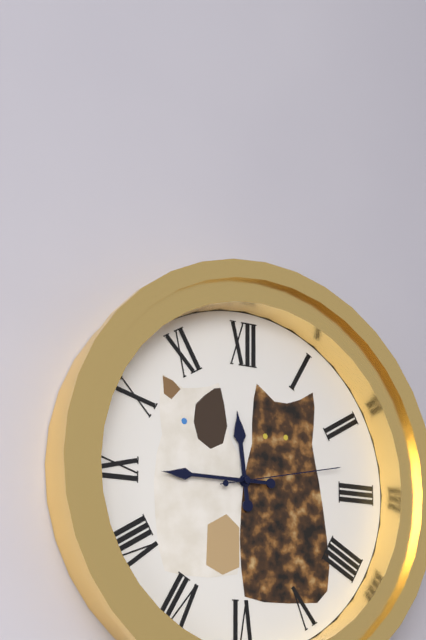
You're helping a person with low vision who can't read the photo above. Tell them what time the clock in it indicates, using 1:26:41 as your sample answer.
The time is 11:45:13
